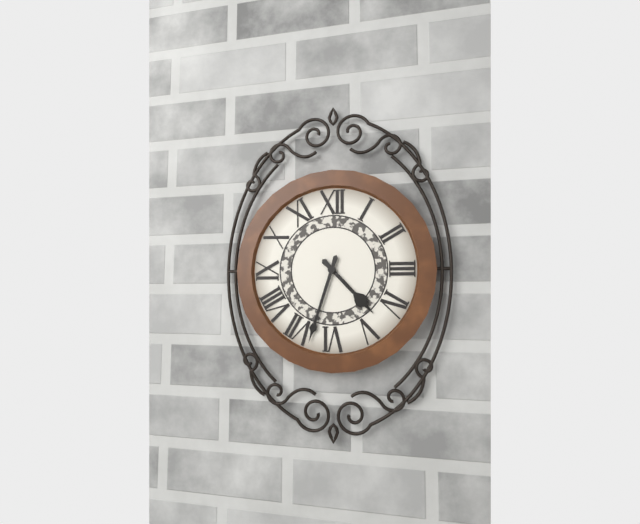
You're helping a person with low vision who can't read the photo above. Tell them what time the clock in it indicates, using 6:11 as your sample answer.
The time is 4:33
